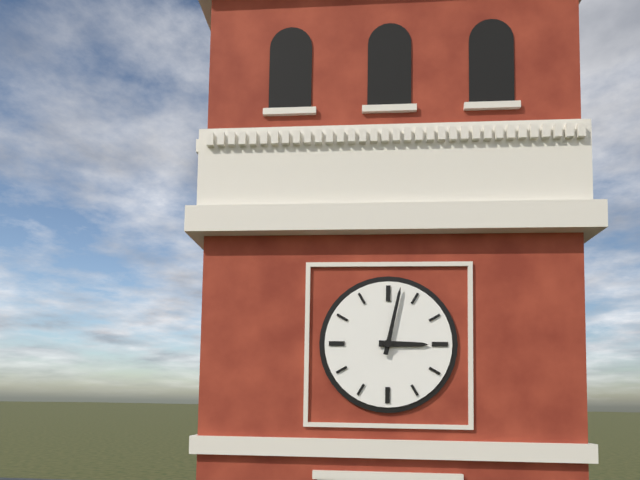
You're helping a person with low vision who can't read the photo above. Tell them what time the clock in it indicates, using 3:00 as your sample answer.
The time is 3:02
